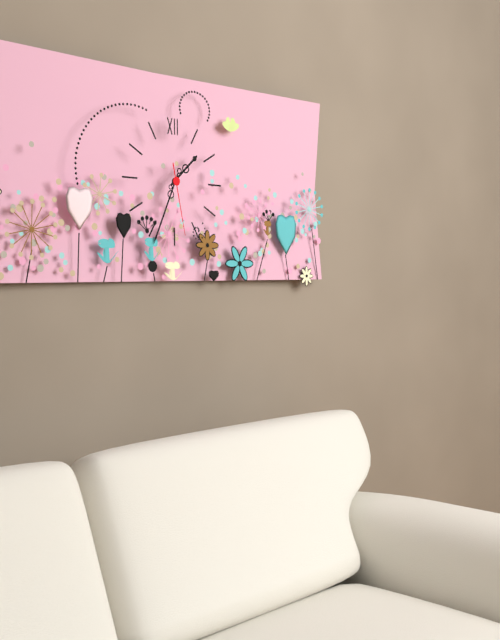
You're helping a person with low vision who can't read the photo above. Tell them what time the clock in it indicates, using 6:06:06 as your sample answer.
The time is 1:34:28
